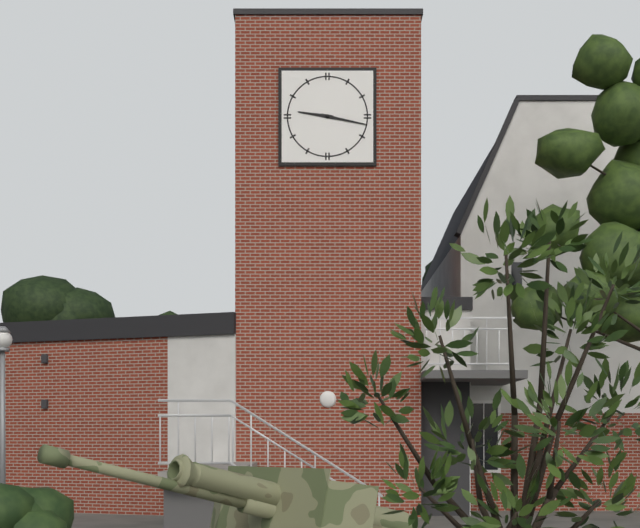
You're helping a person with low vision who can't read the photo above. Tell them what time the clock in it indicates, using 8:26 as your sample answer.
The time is 9:17
